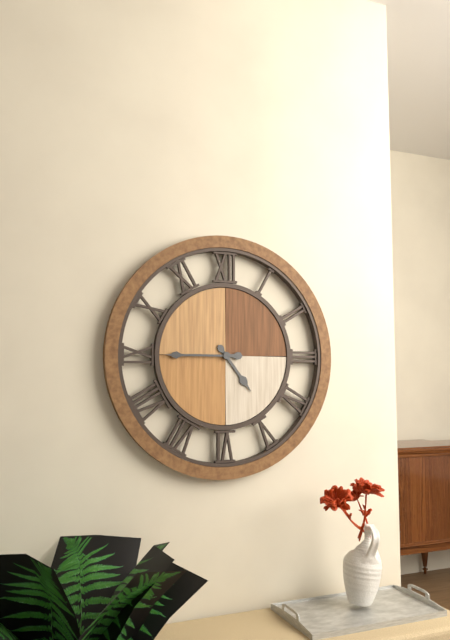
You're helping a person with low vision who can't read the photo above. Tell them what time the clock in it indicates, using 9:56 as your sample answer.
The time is 4:45
